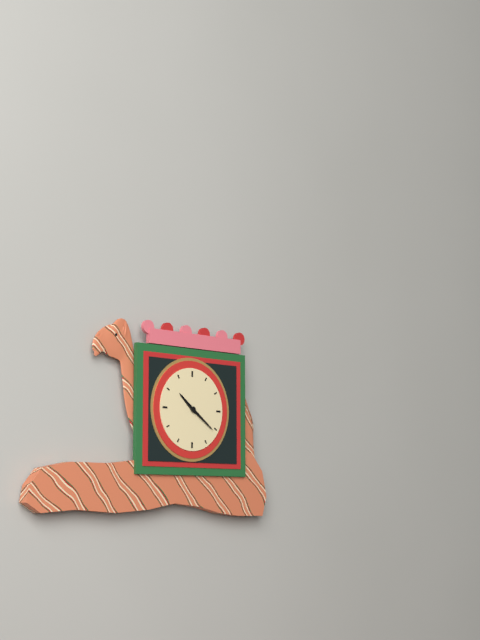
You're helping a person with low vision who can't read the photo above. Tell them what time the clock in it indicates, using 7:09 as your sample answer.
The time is 10:21
